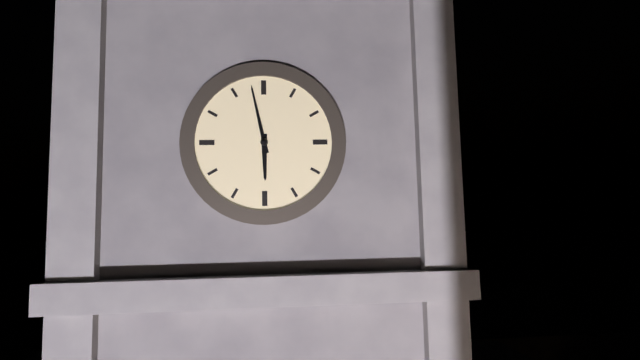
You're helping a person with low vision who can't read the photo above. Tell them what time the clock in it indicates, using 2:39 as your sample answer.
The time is 5:58
